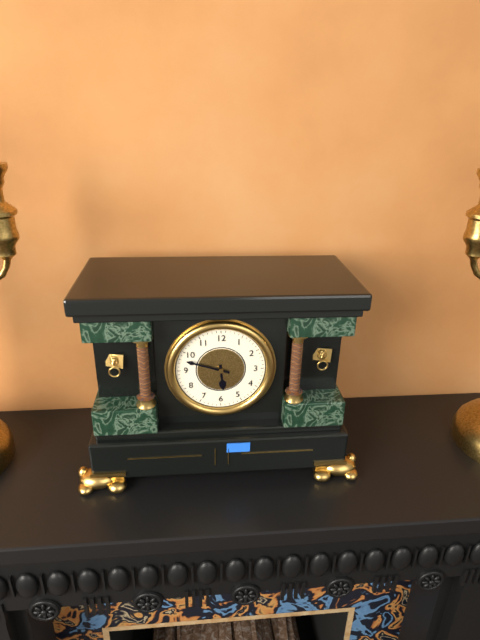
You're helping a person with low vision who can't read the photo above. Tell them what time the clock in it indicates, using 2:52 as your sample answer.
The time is 5:48
